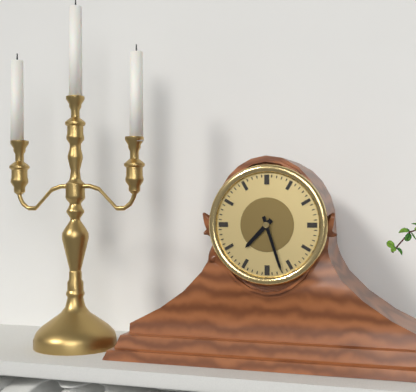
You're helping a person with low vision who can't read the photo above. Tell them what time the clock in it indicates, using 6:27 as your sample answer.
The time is 7:27
